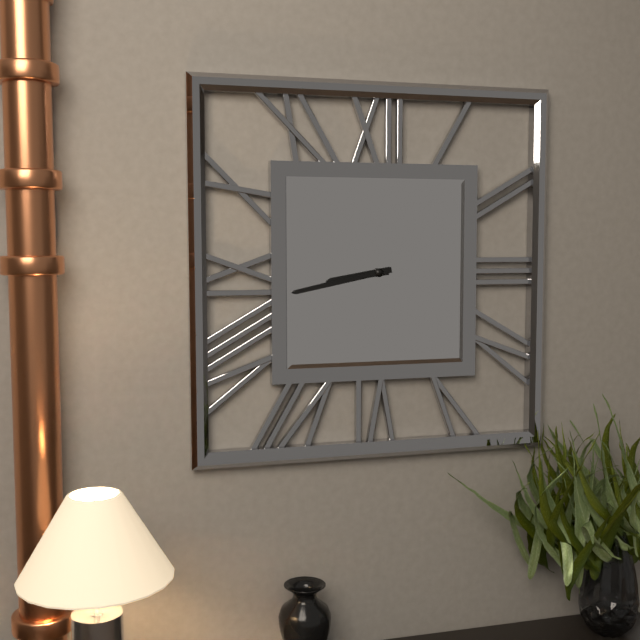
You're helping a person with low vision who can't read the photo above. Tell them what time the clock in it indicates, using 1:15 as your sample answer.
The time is 8:43
